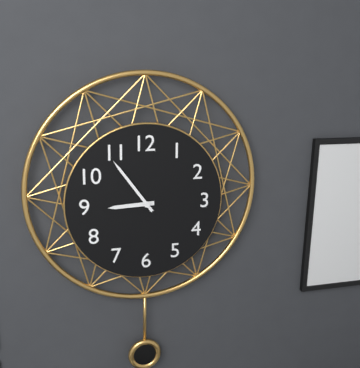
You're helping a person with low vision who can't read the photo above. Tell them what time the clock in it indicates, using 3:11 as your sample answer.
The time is 8:54
